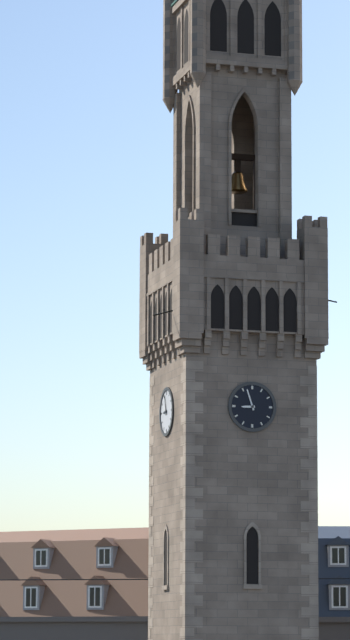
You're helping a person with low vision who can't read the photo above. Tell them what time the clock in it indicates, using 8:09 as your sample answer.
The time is 8:57
